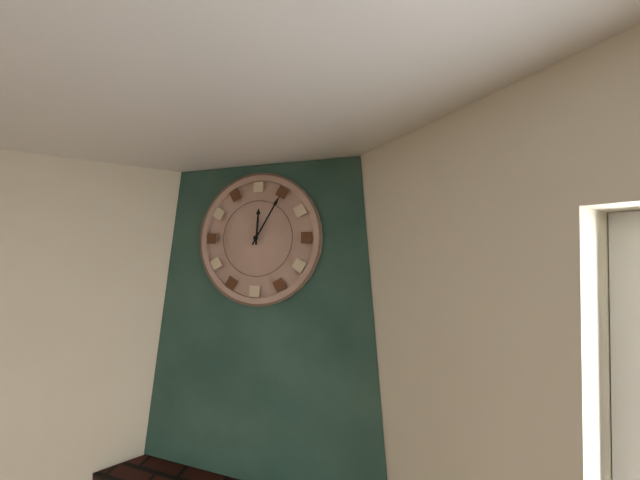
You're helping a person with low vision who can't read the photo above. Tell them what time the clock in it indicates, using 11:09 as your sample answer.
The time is 12:05
